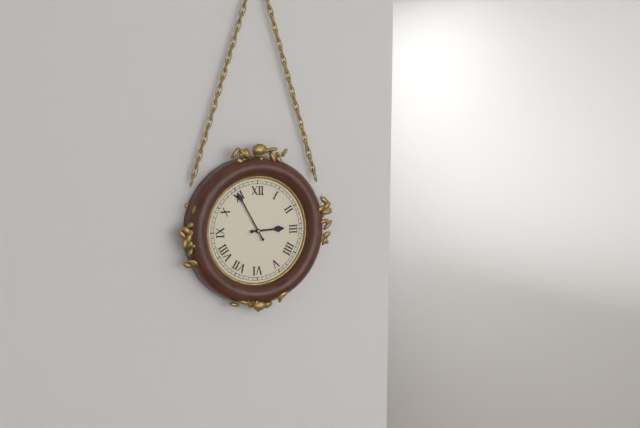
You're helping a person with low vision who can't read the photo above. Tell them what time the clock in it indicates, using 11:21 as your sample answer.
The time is 2:55
